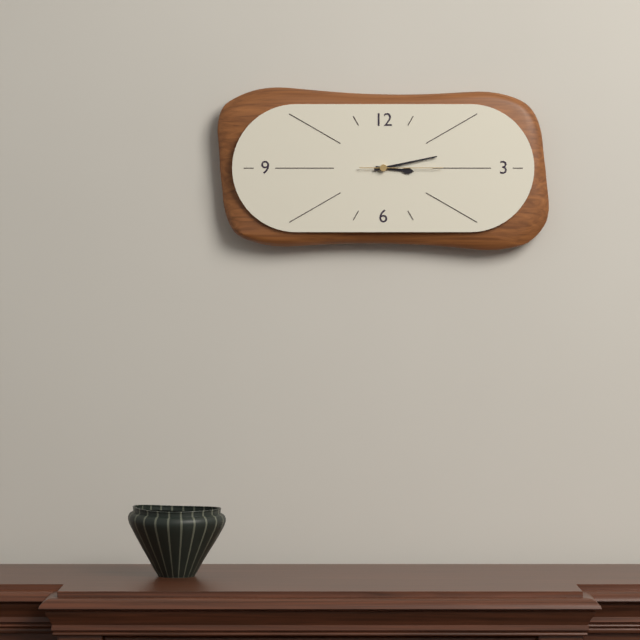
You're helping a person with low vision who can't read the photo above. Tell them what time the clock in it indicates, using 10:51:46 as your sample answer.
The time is 3:13:15
